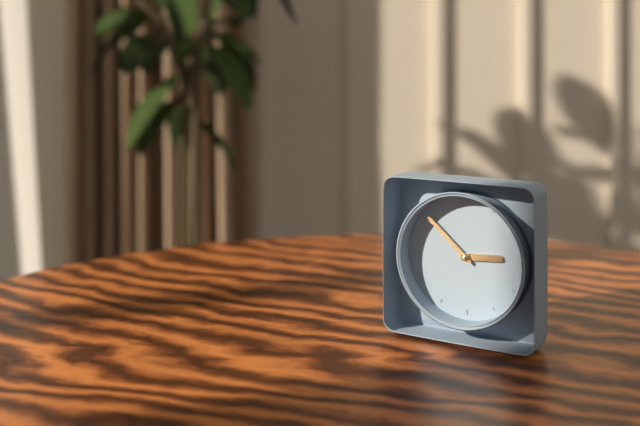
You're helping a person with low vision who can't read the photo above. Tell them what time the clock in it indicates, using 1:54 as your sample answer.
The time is 2:52
